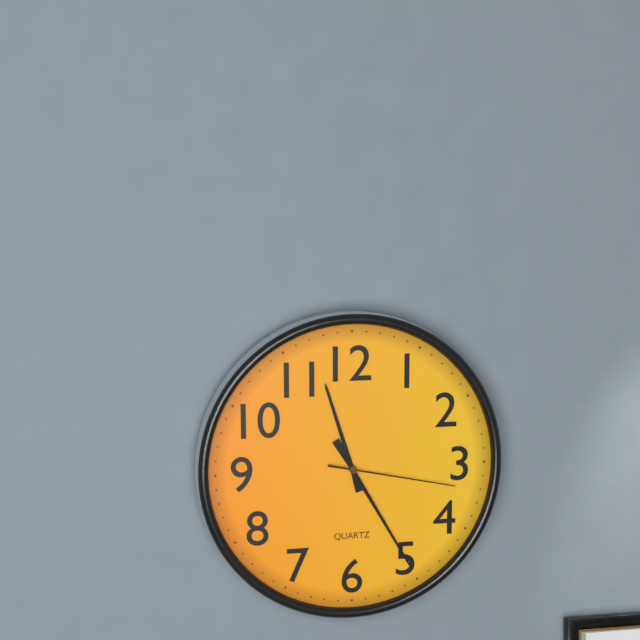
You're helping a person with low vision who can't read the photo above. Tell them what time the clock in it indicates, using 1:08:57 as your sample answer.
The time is 11:25:17
